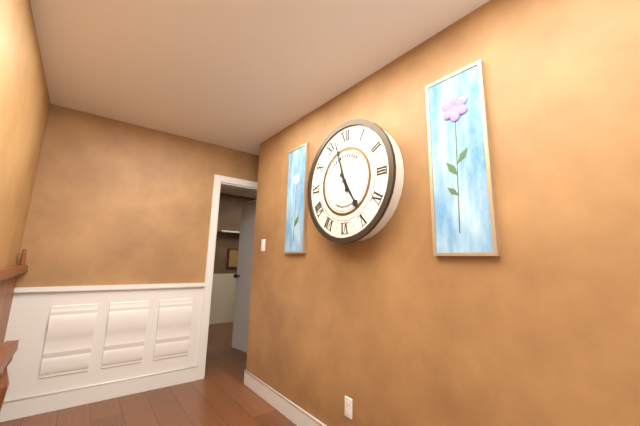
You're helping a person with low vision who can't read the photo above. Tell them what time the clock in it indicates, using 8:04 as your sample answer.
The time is 4:57
